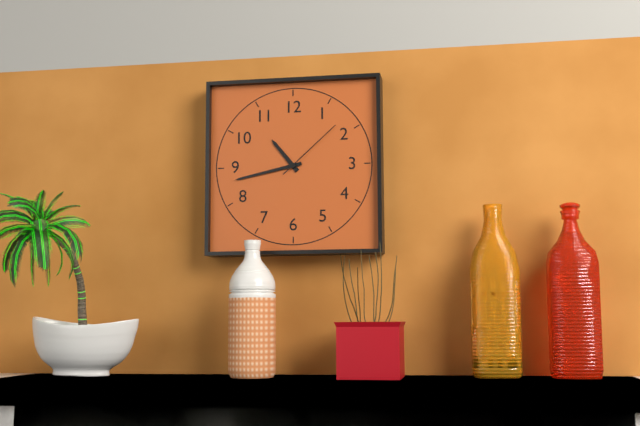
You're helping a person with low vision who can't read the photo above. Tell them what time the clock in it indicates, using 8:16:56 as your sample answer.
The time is 10:43:08
